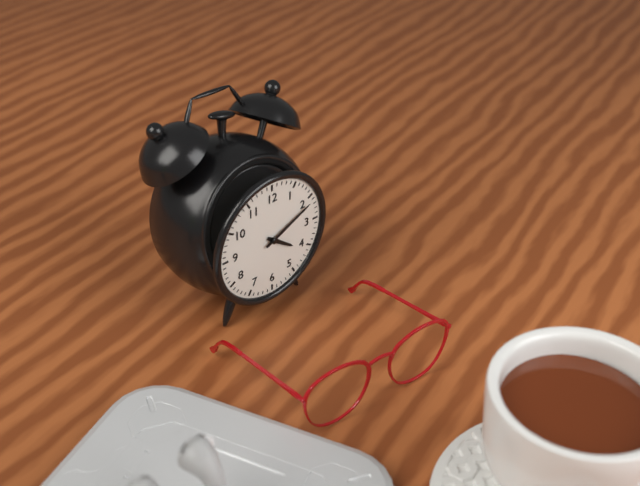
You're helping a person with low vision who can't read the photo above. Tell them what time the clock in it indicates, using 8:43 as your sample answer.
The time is 4:11
